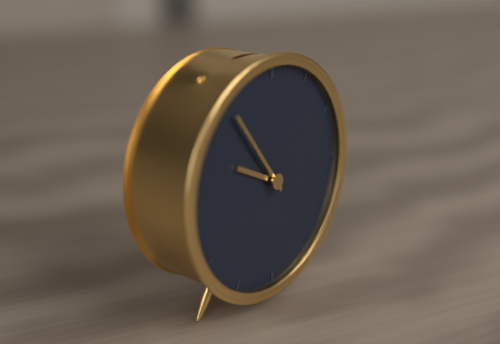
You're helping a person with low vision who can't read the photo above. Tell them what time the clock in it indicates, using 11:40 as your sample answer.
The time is 9:54
